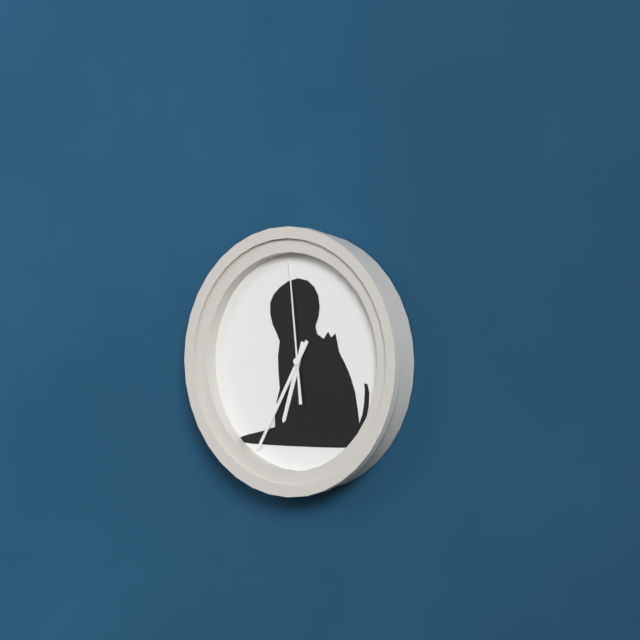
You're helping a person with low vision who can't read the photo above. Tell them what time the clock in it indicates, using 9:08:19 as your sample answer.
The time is 6:35:59
